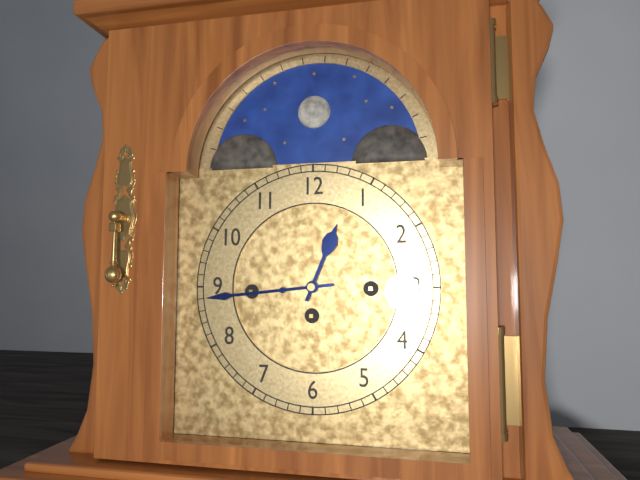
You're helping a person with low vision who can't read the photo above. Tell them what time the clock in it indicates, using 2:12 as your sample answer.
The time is 12:44
